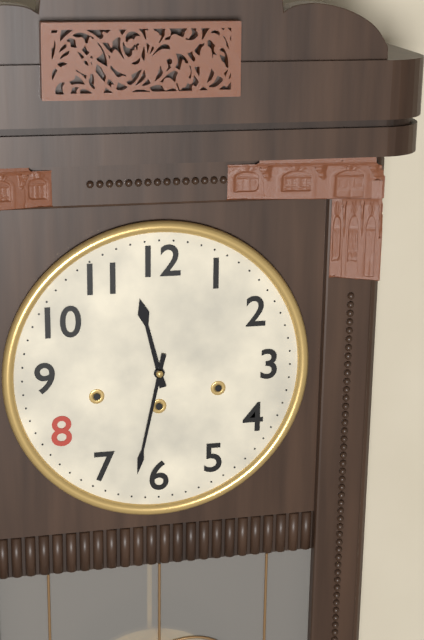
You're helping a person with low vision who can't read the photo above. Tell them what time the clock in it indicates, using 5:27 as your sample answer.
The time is 11:32
